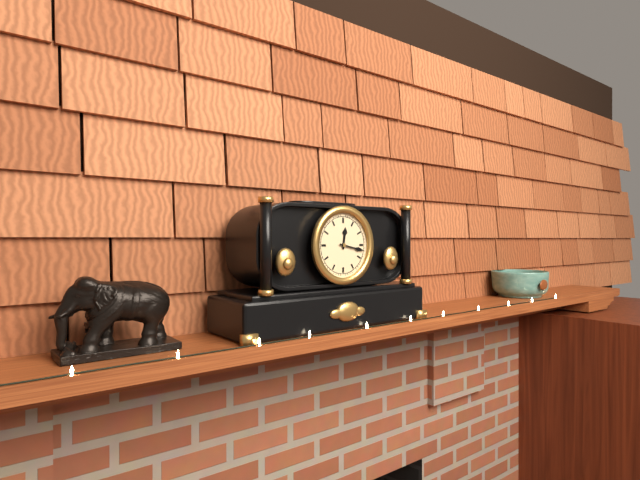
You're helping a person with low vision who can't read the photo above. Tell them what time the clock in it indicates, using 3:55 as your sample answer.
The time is 12:17
